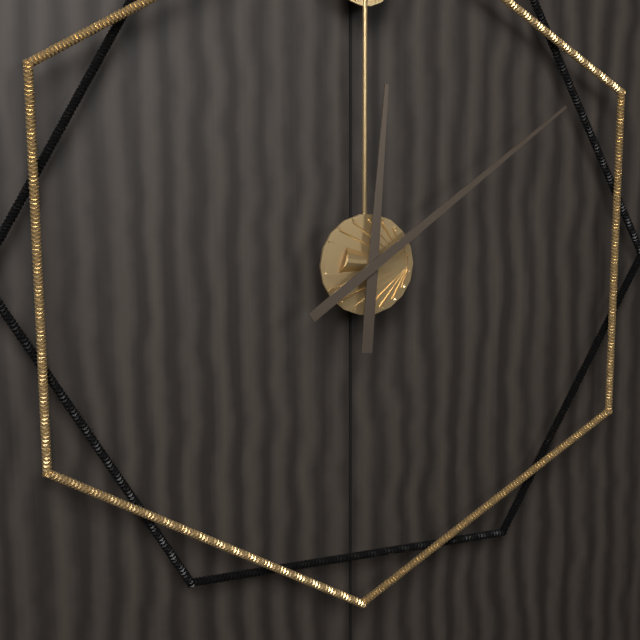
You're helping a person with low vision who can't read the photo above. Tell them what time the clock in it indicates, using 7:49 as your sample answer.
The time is 12:09
